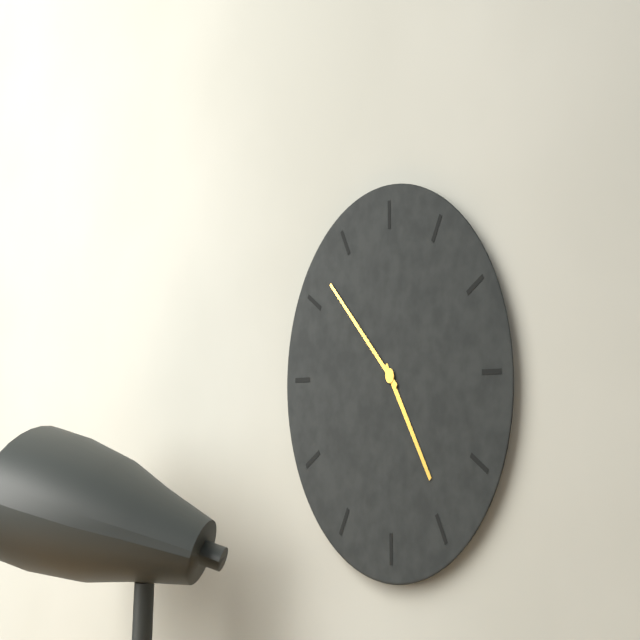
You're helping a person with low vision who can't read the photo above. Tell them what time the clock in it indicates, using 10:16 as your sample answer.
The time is 4:52
